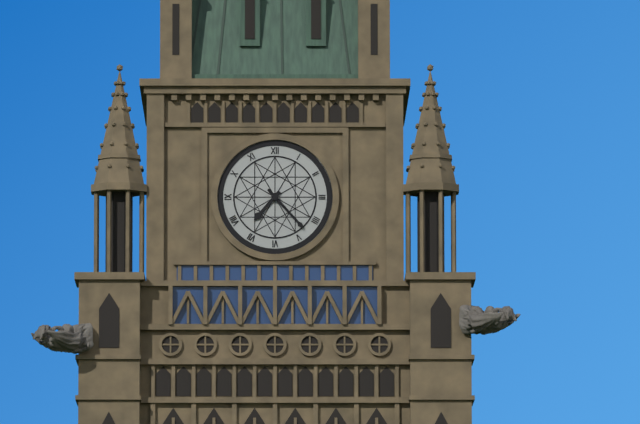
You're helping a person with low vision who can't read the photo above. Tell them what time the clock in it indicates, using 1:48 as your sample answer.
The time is 7:23
